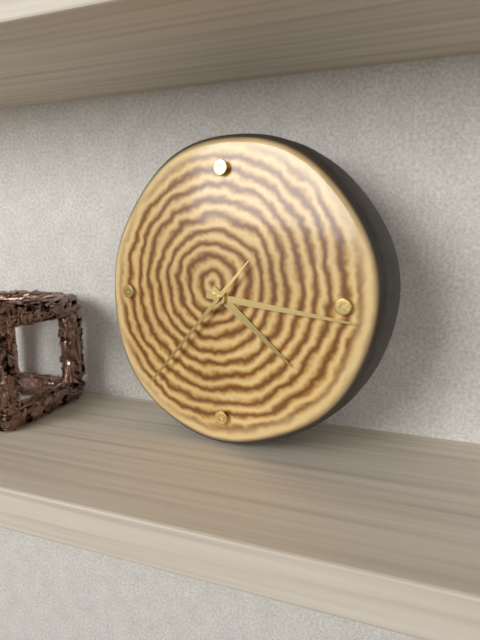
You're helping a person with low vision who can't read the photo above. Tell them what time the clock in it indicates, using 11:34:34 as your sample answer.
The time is 4:16:37
